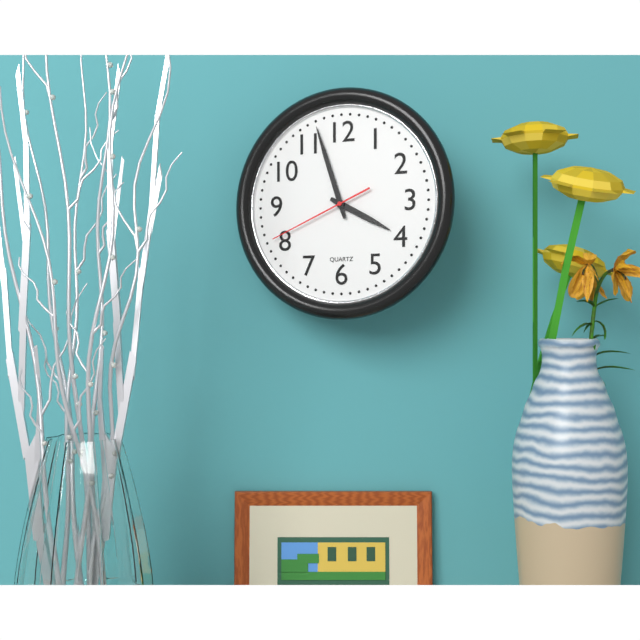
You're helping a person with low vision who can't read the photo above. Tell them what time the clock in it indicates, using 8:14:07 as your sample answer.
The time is 3:57:41
